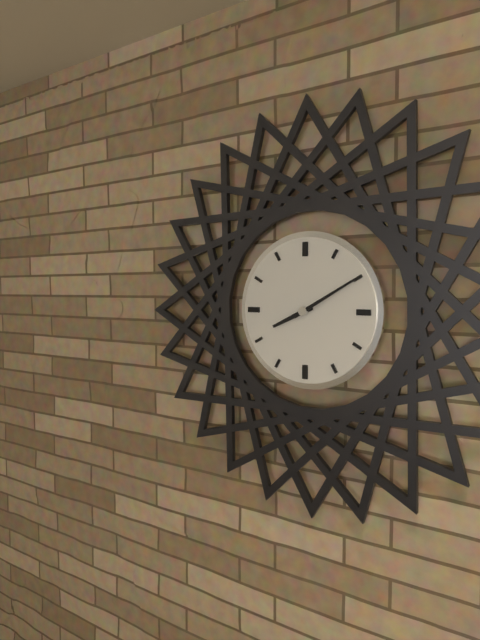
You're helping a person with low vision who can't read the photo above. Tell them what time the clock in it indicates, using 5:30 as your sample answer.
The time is 8:10
